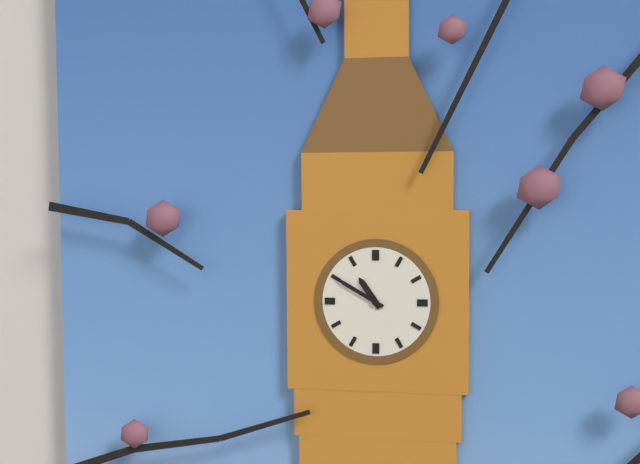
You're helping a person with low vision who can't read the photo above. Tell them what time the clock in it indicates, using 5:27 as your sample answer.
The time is 10:50
